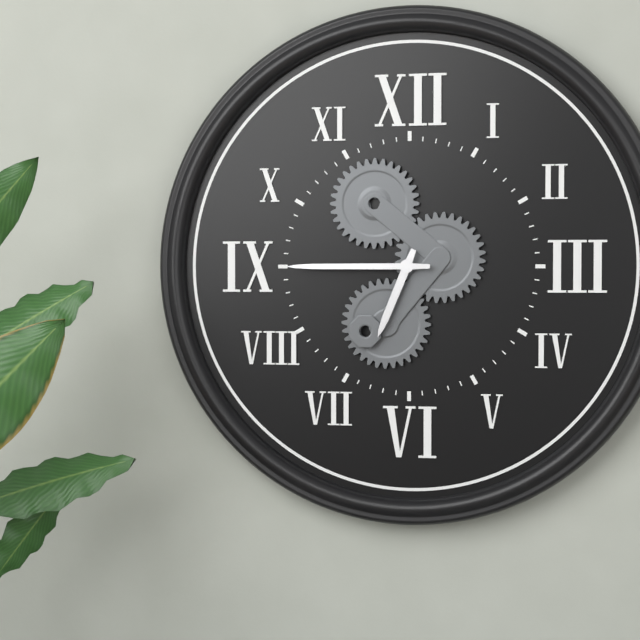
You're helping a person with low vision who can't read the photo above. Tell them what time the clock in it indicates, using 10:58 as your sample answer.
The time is 6:45
